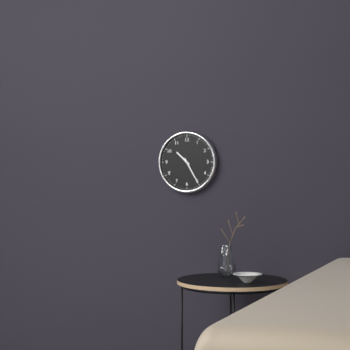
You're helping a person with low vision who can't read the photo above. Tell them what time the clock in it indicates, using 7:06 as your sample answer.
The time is 10:25
